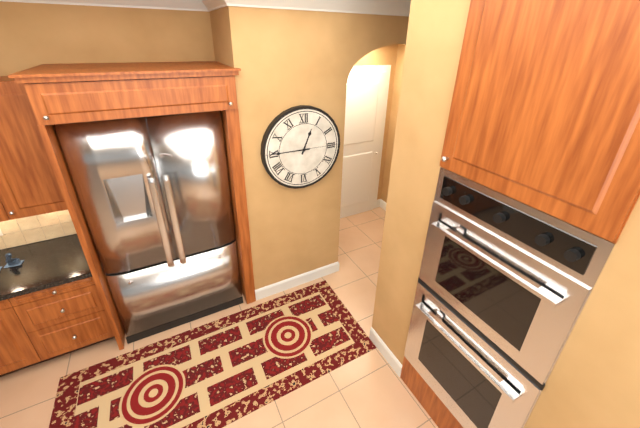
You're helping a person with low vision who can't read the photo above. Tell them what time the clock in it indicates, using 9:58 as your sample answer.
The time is 12:45
